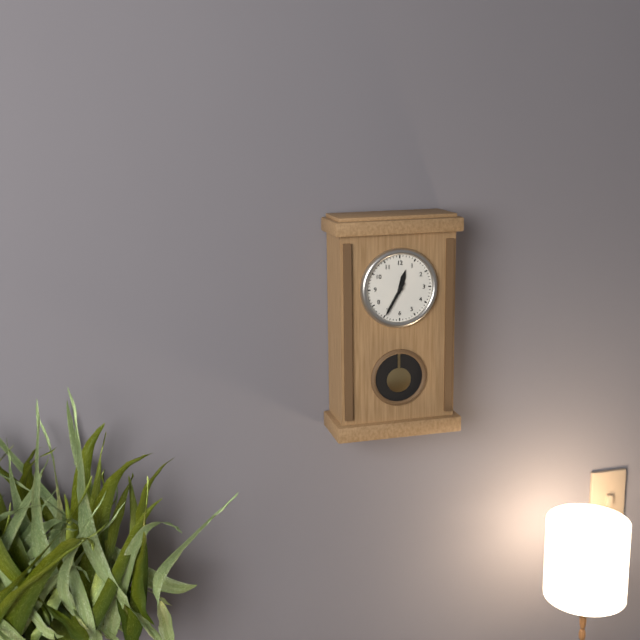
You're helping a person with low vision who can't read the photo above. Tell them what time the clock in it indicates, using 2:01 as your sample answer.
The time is 12:35
